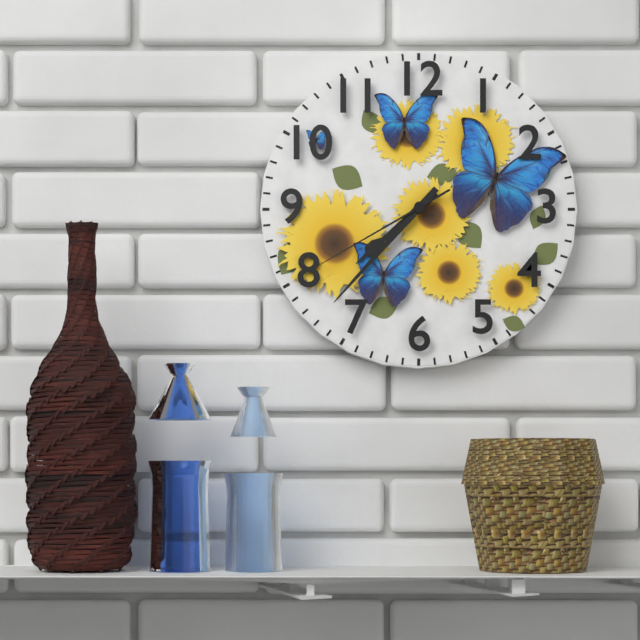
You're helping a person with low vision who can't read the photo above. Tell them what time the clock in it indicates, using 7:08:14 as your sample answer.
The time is 7:37:40
